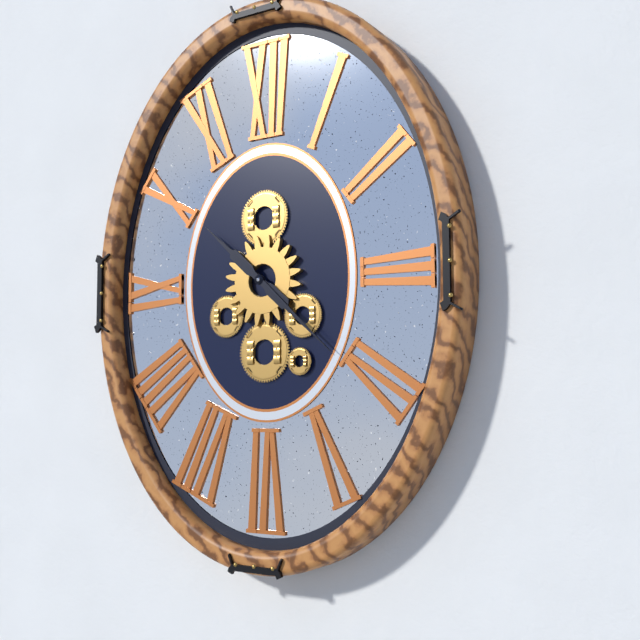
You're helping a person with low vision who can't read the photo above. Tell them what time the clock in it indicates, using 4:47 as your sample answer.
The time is 10:22
